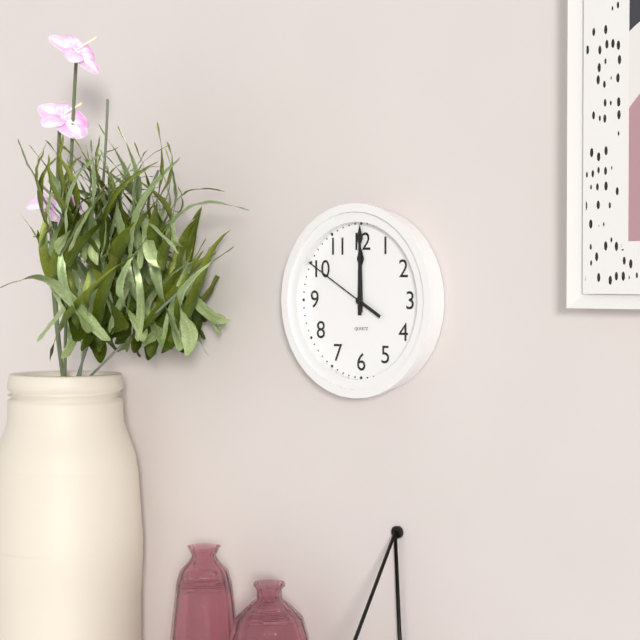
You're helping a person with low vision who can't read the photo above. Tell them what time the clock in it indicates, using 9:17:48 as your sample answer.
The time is 12:00:50
